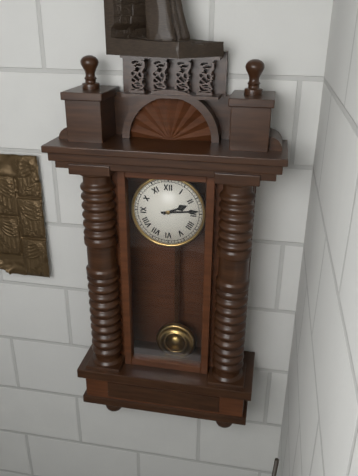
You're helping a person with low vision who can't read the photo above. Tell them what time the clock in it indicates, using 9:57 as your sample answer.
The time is 2:14
